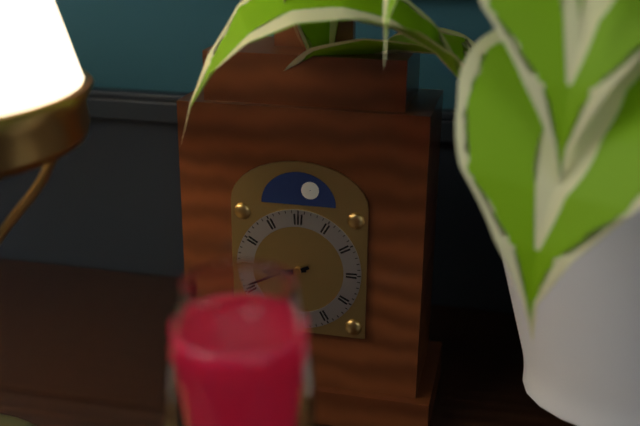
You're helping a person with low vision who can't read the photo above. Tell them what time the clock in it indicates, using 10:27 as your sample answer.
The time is 8:41
